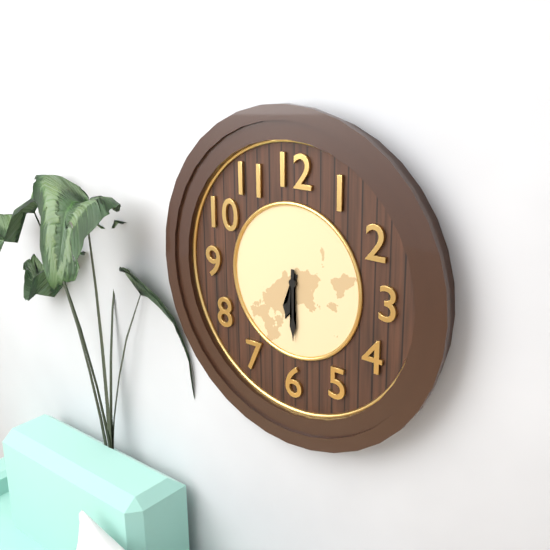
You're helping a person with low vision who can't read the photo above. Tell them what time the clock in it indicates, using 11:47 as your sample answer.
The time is 6:30
